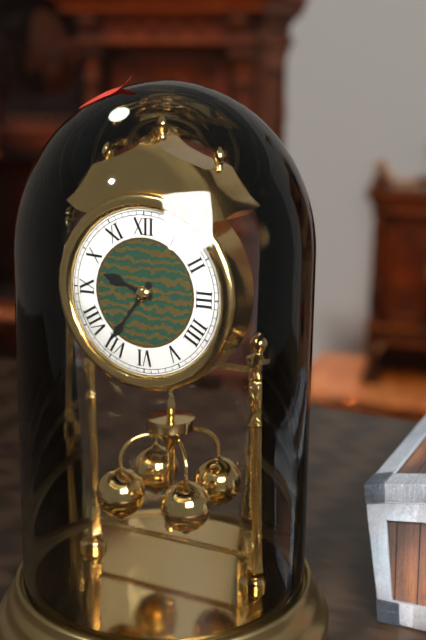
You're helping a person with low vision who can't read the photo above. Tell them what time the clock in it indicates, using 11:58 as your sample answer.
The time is 9:36
